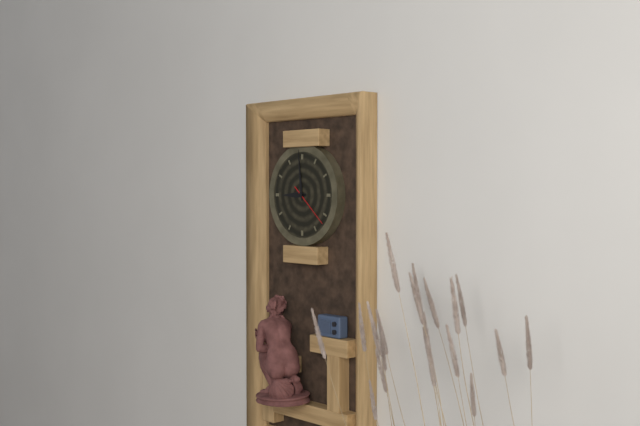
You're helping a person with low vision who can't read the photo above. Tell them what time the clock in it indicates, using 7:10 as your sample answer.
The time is 8:59
